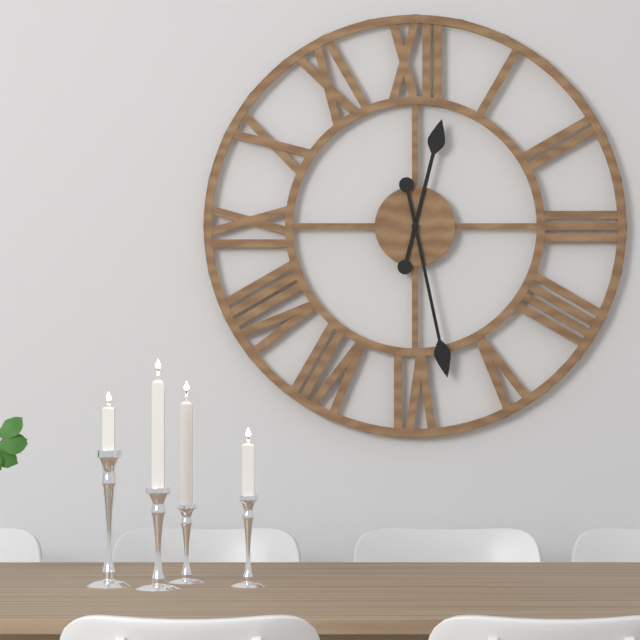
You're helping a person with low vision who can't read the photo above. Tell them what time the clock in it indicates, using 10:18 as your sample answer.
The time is 12:28
